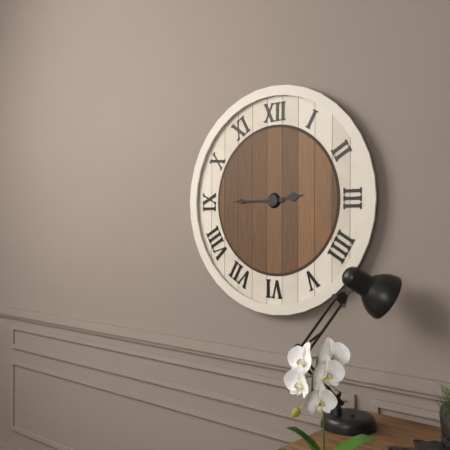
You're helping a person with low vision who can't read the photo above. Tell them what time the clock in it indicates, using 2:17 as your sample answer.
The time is 2:45
